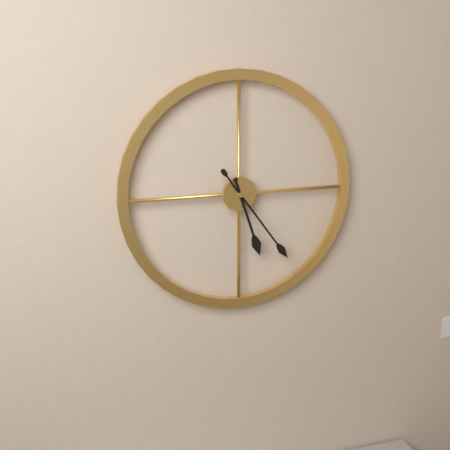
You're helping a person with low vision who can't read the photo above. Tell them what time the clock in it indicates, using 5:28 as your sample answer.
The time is 5:24
